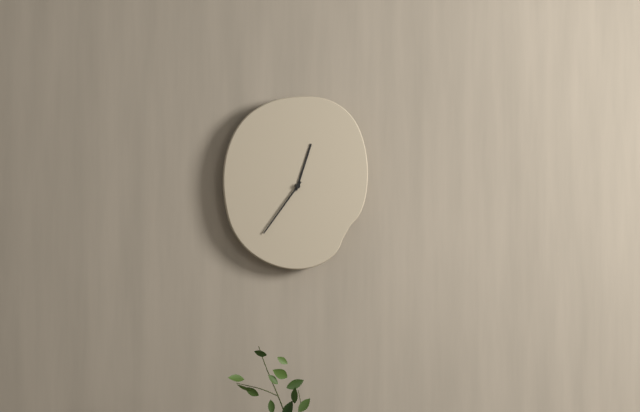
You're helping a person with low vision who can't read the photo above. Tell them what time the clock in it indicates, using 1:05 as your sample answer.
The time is 12:36
